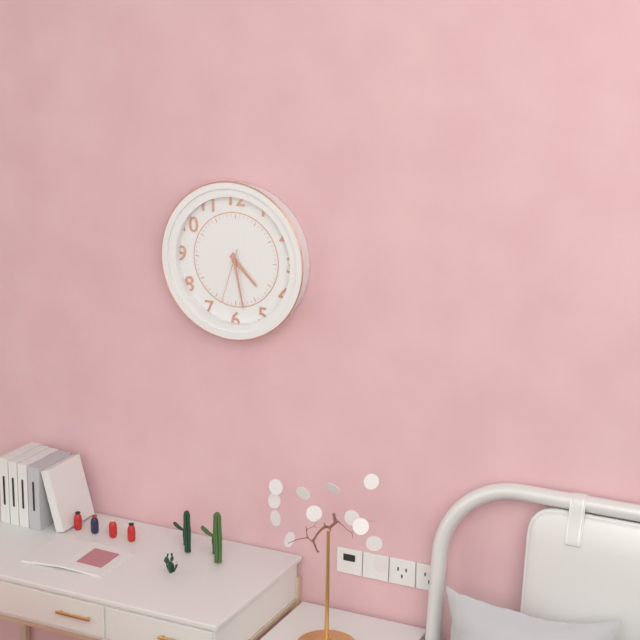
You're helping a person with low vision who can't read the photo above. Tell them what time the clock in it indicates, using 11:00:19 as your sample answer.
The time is 4:28:33
